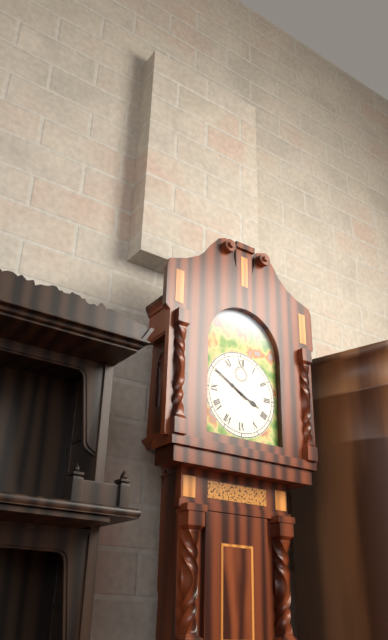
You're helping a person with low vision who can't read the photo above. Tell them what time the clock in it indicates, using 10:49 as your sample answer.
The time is 3:50
